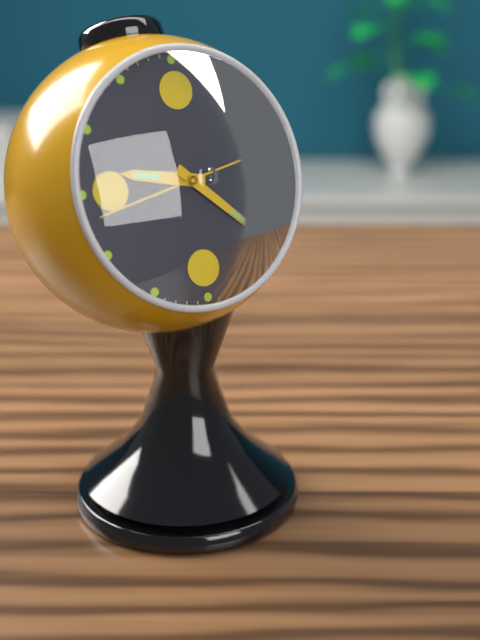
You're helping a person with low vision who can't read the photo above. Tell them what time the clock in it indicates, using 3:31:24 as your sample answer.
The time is 9:22:43
